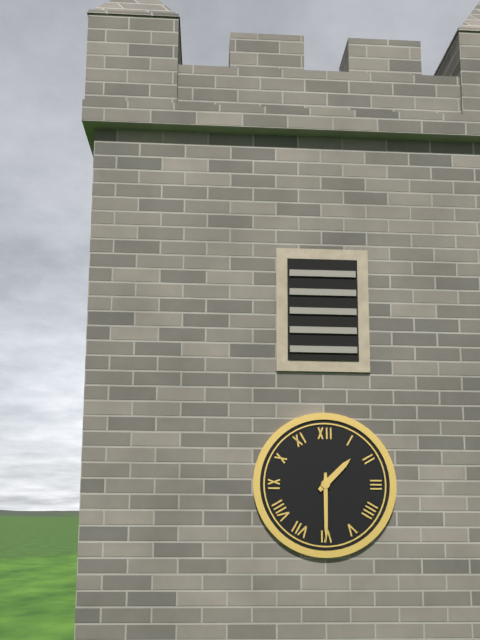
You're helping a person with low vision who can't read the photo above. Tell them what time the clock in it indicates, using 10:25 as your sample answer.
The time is 1:30
